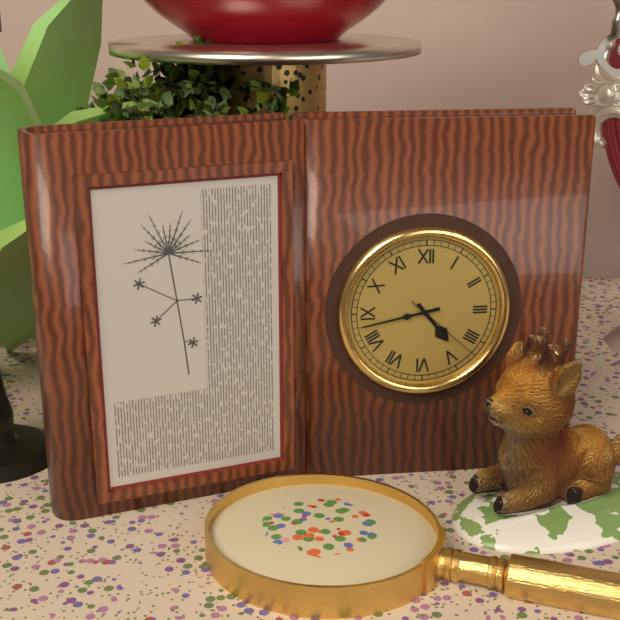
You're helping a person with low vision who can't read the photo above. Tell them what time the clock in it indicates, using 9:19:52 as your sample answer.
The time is 4:43:22
